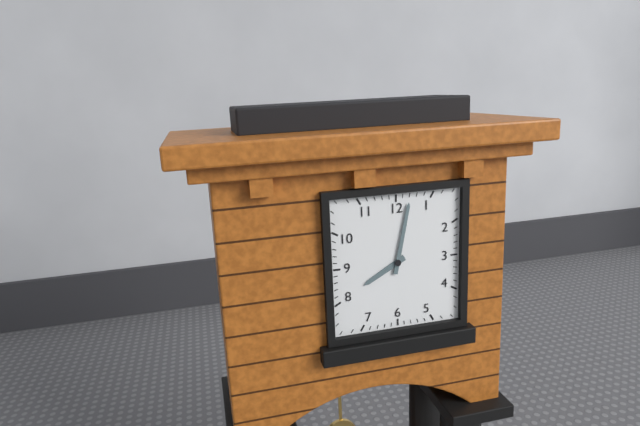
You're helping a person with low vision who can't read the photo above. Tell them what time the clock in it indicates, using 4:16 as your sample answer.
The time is 8:02
